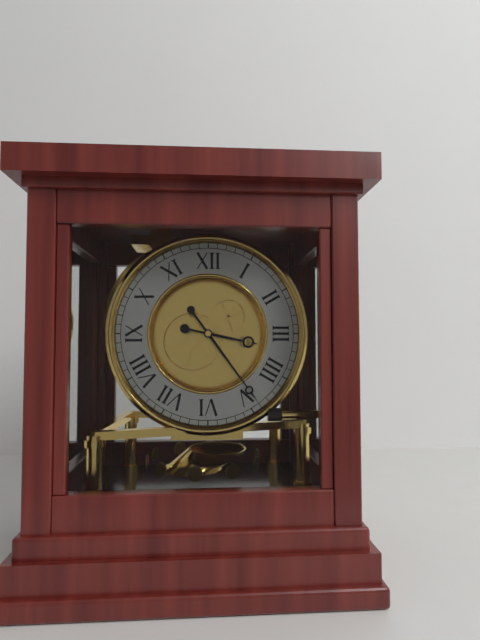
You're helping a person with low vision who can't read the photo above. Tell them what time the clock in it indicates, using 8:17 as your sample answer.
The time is 3:24
